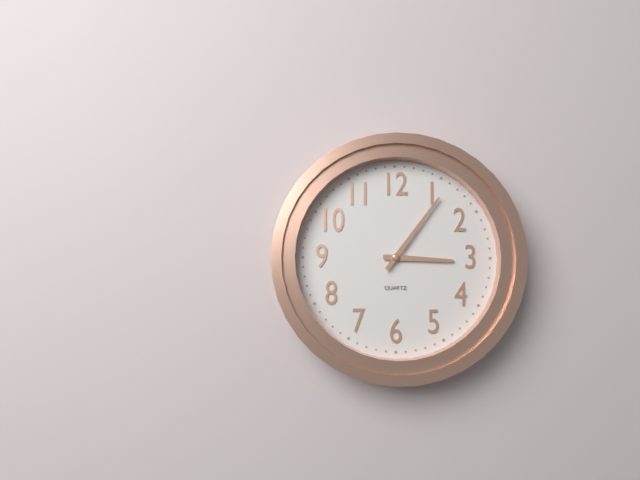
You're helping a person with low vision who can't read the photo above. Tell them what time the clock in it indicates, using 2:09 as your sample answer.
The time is 3:06
